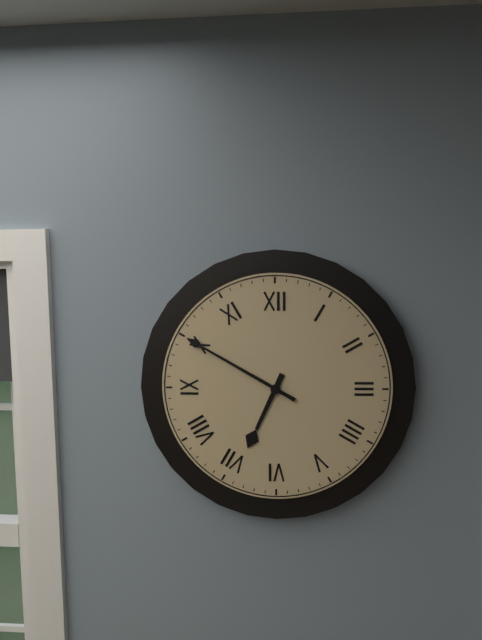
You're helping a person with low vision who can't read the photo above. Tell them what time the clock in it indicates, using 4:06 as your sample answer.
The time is 6:50
